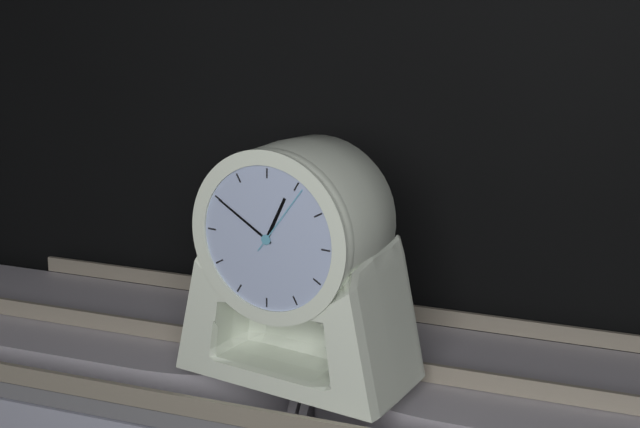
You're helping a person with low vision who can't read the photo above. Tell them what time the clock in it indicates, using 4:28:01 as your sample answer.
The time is 12:50:06
